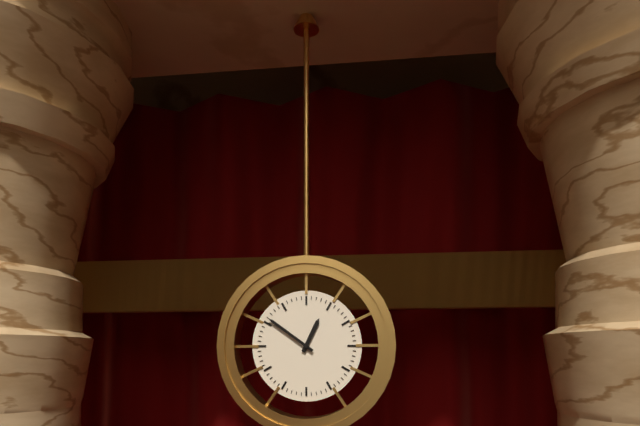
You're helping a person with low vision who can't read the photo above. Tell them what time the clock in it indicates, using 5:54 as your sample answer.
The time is 12:51
